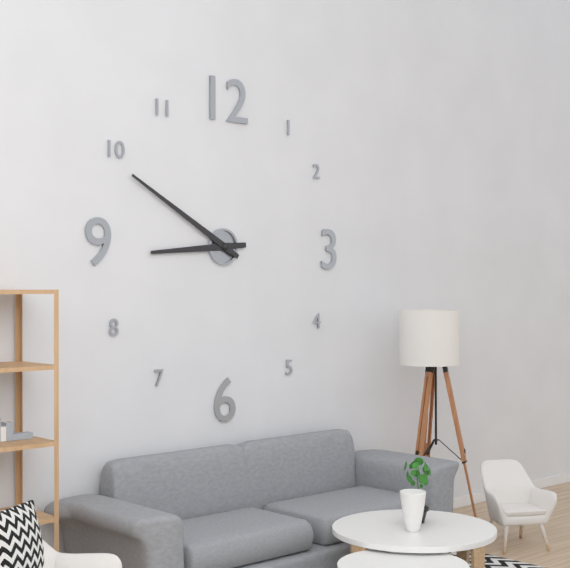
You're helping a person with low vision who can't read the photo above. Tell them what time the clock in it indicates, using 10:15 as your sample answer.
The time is 8:50
